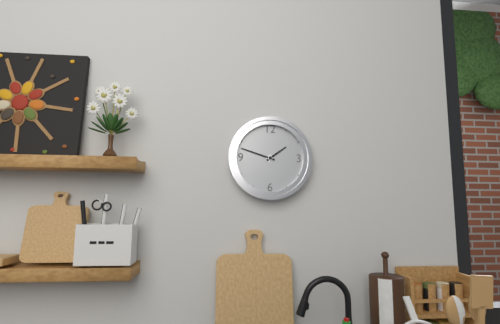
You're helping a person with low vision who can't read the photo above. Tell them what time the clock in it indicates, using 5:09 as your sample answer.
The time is 1:48
